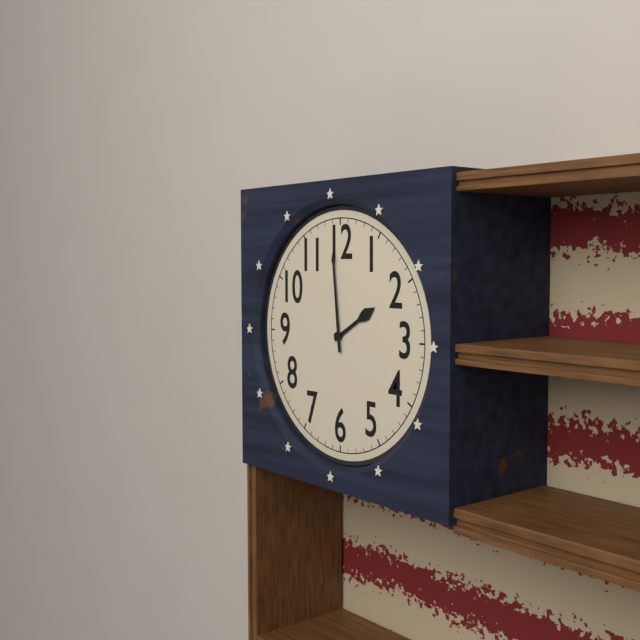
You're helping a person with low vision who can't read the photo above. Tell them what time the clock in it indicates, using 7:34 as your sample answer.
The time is 1:59
